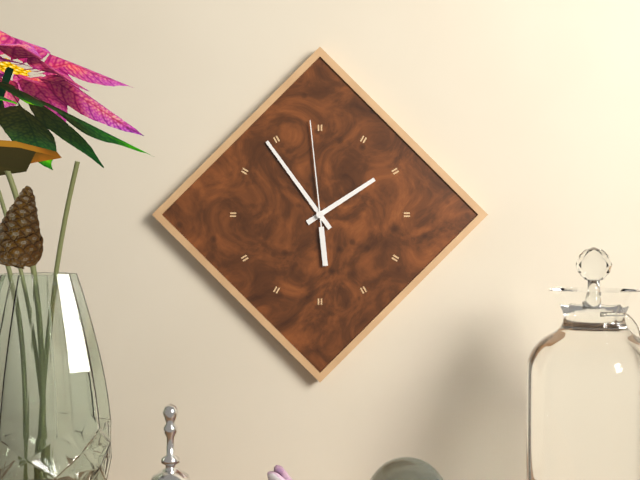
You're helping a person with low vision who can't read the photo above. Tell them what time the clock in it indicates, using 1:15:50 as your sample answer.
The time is 1:54:59
